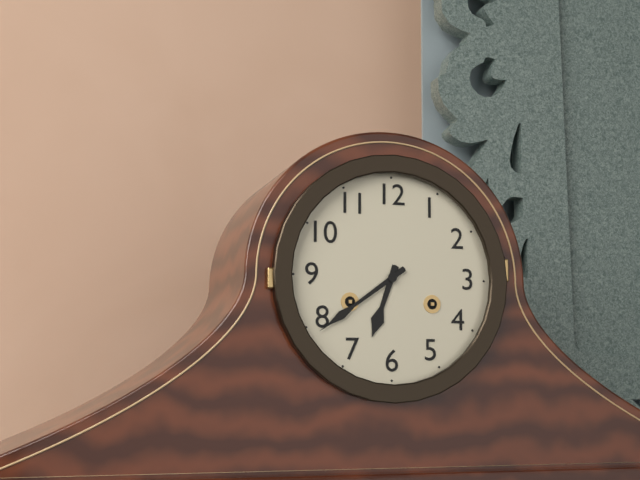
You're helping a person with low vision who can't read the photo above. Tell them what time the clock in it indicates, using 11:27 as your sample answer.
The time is 6:39
